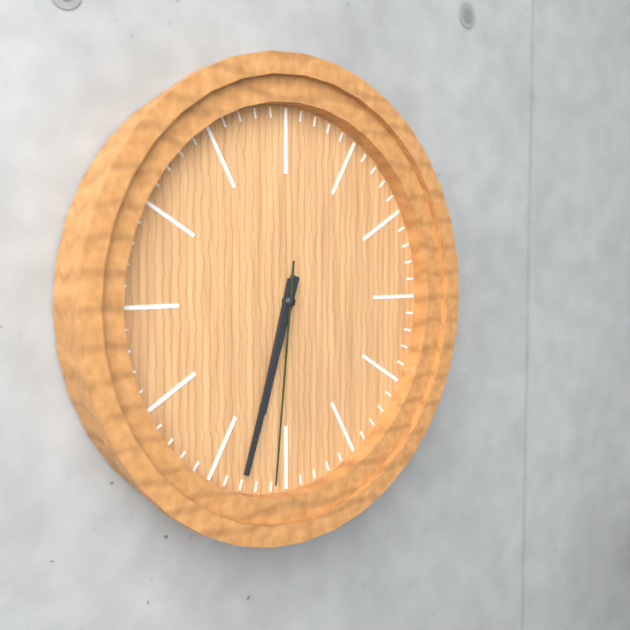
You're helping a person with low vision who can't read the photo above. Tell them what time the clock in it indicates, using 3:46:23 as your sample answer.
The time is 6:33:31
